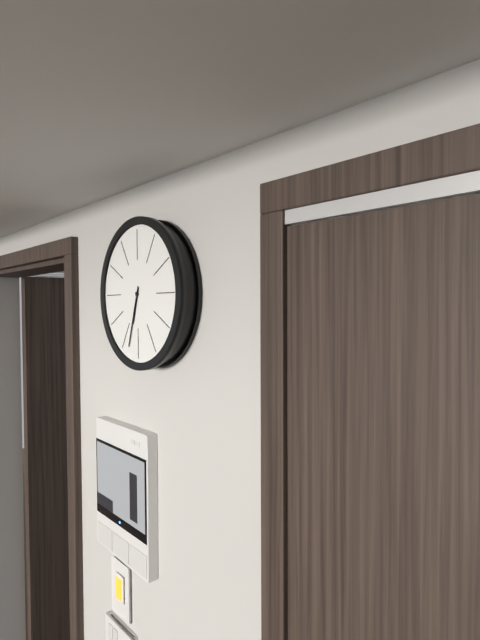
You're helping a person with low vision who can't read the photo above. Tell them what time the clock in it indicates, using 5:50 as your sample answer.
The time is 6:33
